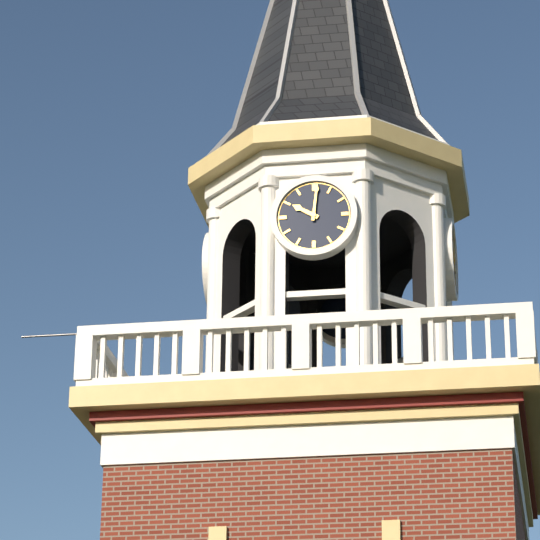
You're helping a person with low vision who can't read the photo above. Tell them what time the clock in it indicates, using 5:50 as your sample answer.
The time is 10:01
